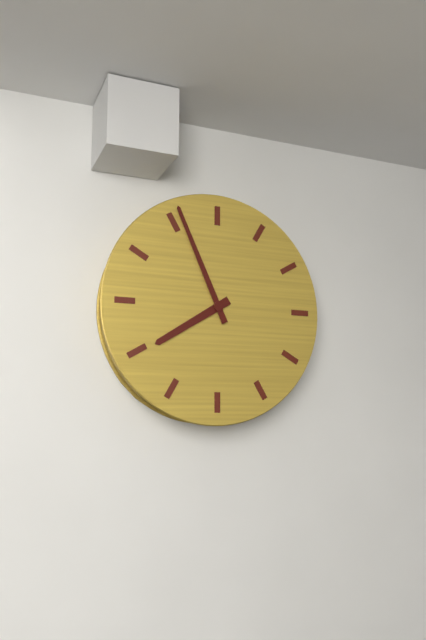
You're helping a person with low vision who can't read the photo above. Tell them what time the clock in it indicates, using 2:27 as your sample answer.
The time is 7:56
